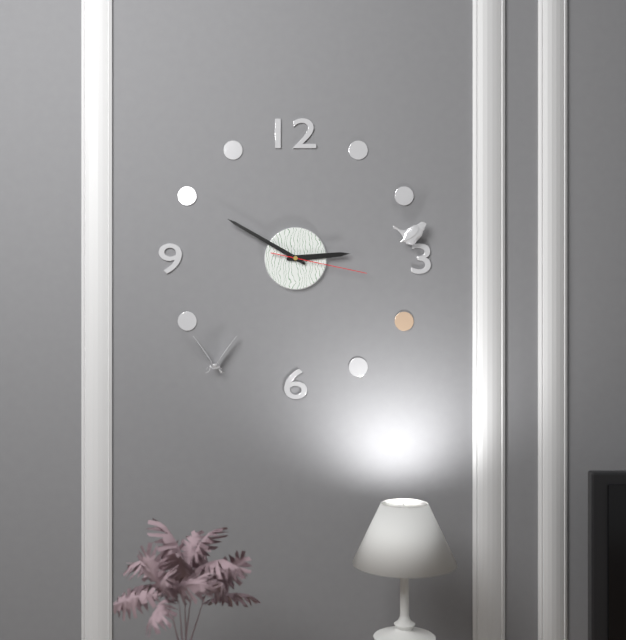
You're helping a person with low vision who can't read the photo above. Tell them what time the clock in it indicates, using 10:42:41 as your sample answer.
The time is 2:50:17
